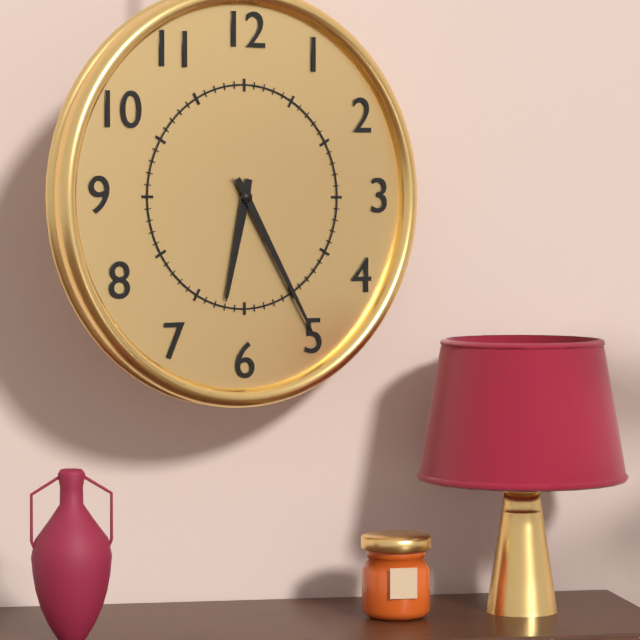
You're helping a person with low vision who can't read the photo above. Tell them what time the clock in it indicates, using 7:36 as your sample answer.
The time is 6:25
